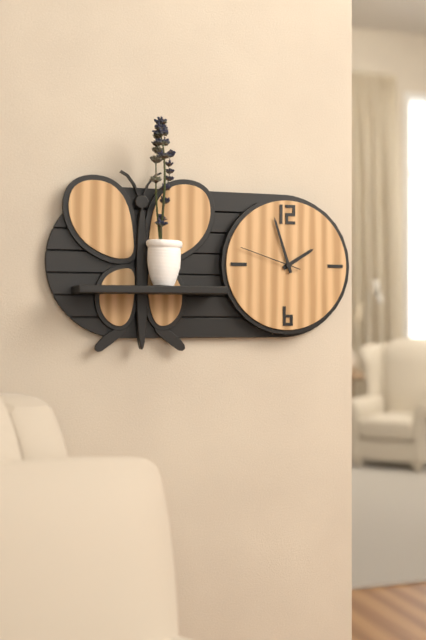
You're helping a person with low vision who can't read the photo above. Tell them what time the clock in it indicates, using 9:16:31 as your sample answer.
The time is 1:57:48
